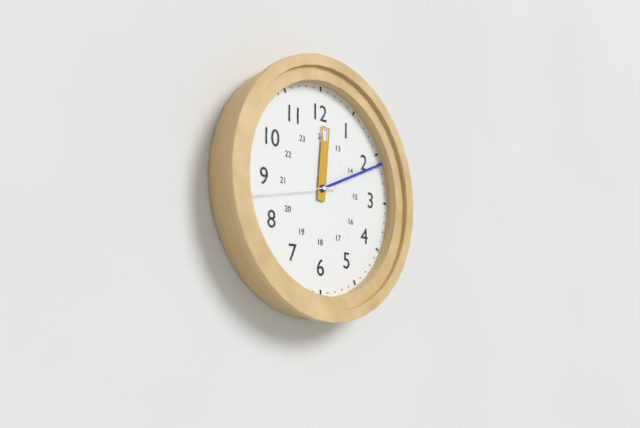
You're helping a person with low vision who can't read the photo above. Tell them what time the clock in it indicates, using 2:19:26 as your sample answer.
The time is 12:11:43
